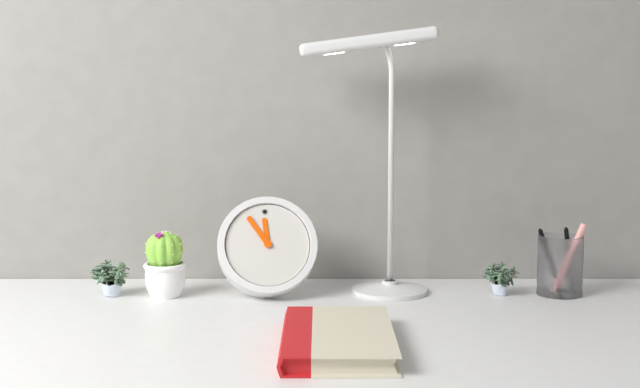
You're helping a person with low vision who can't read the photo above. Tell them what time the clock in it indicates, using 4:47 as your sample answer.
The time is 11:55
